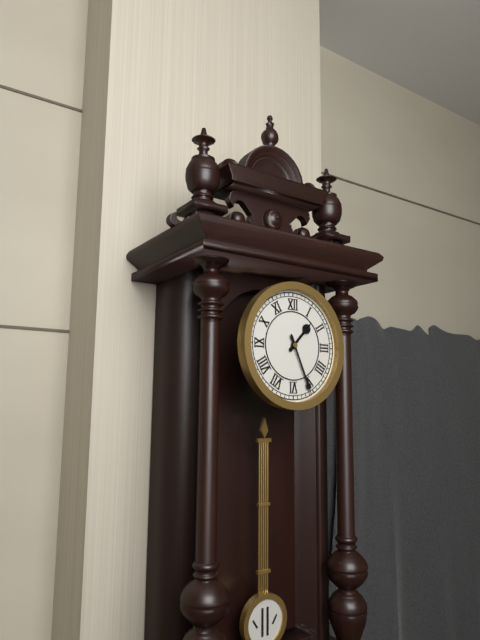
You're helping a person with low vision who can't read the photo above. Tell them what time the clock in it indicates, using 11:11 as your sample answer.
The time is 1:26
